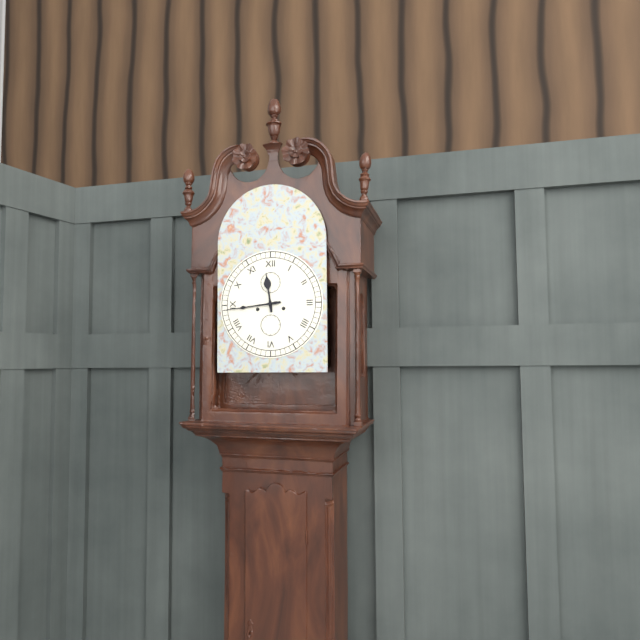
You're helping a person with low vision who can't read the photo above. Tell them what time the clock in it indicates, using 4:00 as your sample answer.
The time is 11:44
